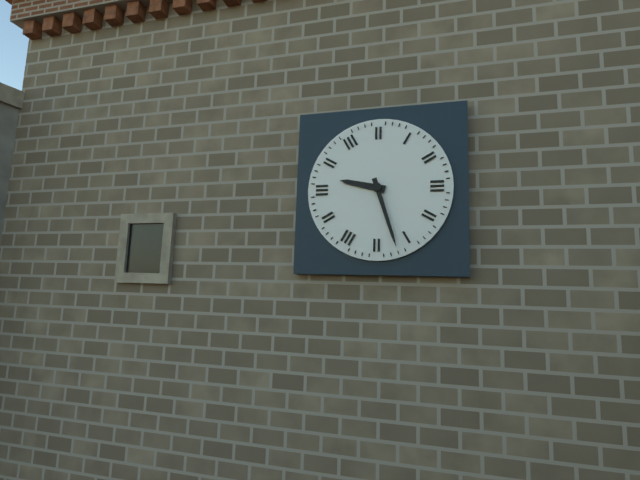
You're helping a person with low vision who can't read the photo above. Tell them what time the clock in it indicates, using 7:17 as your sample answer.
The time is 9:27
